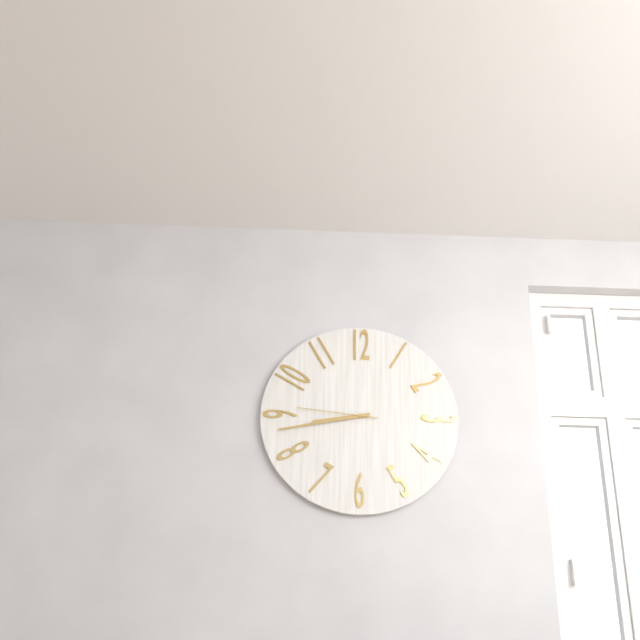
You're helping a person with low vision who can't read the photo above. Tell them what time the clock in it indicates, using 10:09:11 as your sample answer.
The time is 8:43:46
